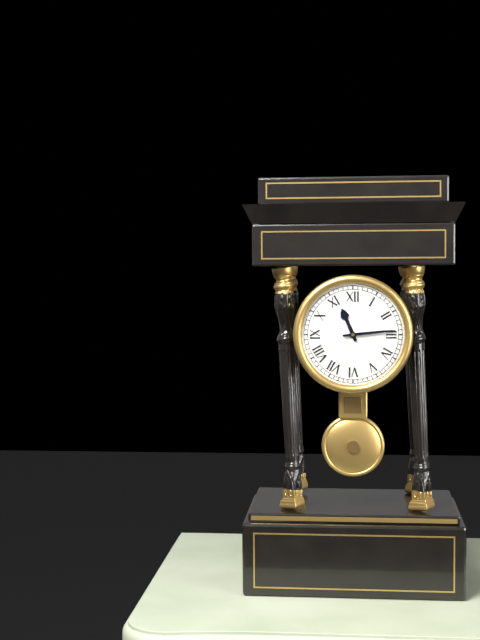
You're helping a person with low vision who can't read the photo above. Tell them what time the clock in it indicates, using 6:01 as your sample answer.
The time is 11:14
